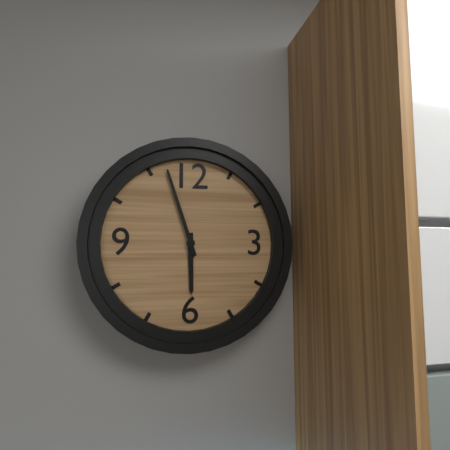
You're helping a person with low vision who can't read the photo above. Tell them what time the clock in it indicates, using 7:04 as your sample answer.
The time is 5:57
